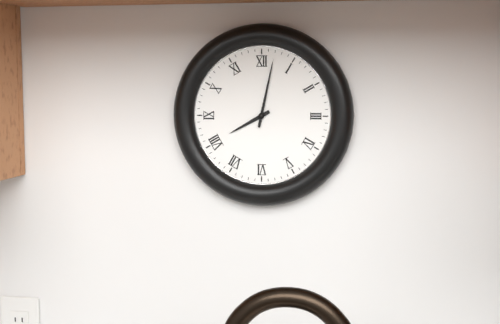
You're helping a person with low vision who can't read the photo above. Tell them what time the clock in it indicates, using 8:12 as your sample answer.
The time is 8:02
